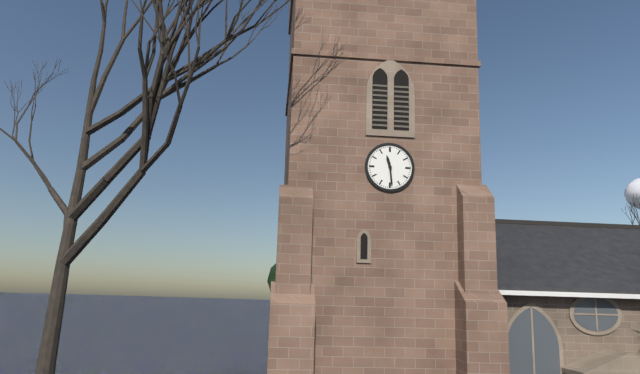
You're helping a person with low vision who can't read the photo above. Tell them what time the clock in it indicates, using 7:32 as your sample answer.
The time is 11:29
